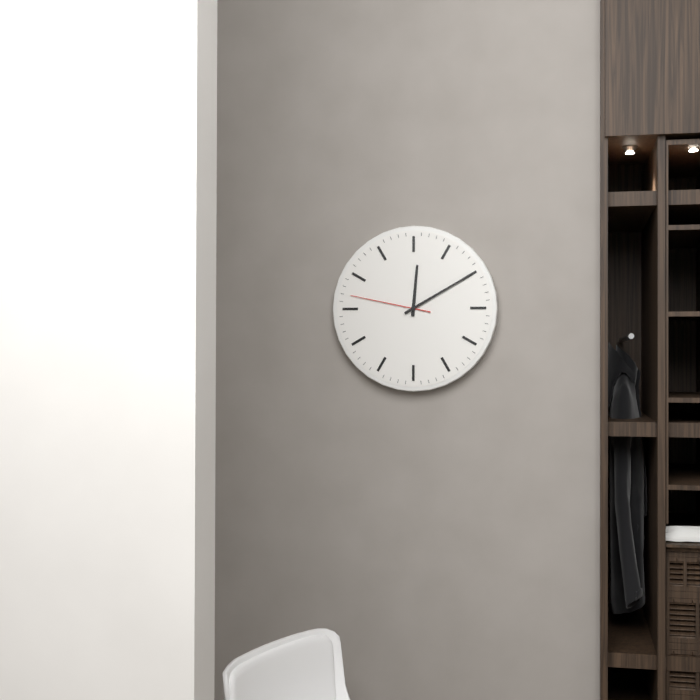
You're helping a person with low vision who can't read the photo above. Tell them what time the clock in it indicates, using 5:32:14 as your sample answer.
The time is 12:10:47
